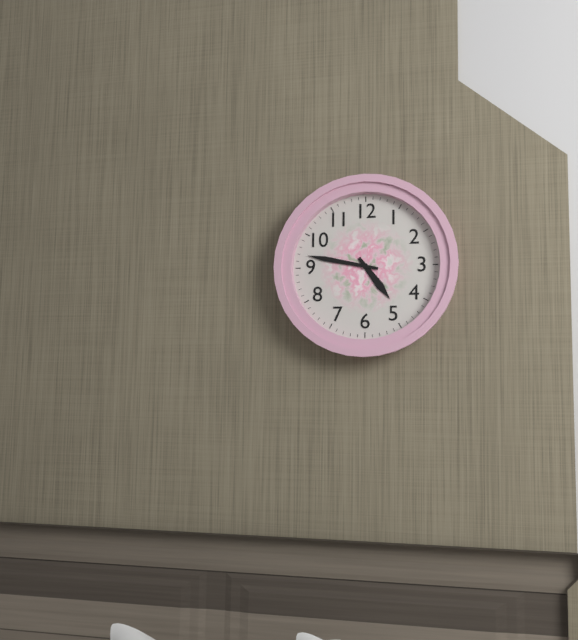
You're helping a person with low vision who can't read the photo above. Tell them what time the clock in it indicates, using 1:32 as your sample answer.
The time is 4:47
